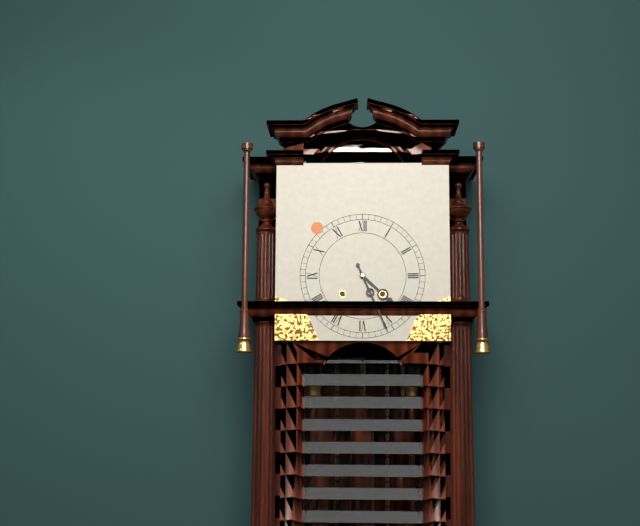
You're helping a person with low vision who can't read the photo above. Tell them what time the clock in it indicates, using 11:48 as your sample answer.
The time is 4:26
